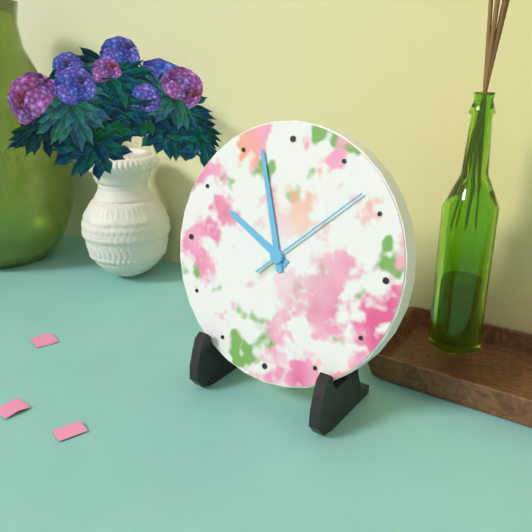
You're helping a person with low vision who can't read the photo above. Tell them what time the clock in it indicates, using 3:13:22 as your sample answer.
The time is 9:57:08
